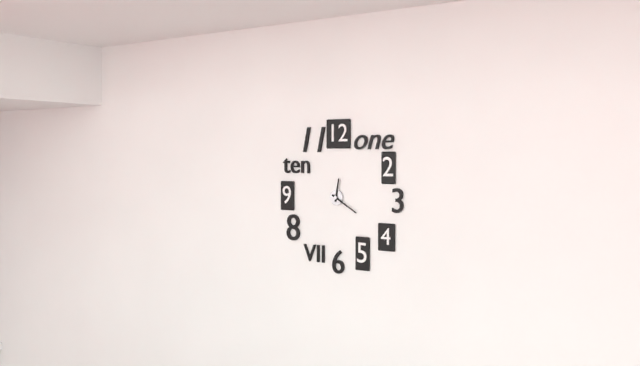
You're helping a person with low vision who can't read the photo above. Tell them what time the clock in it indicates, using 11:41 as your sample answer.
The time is 12:20
